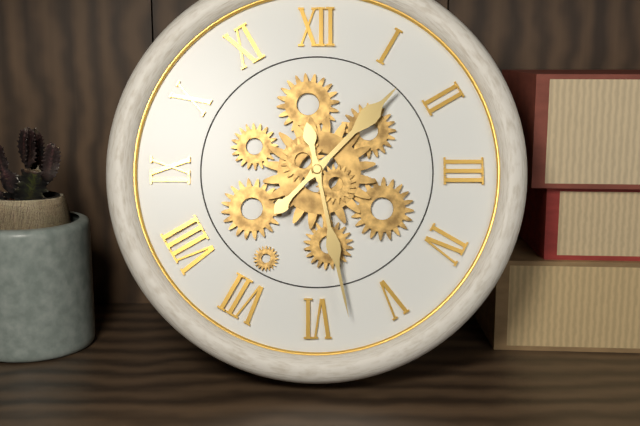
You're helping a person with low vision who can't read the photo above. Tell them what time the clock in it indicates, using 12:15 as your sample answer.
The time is 1:28
